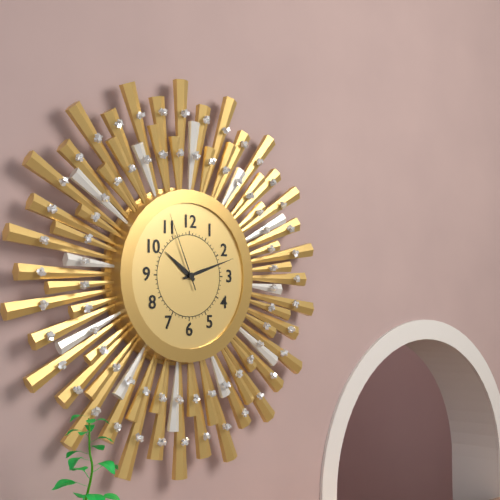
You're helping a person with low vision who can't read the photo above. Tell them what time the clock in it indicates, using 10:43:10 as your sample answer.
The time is 10:12:56
